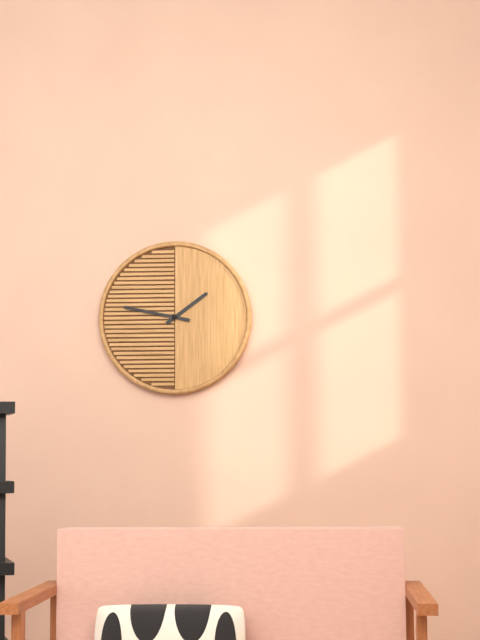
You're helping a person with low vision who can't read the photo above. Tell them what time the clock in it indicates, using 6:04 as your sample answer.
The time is 1:47
